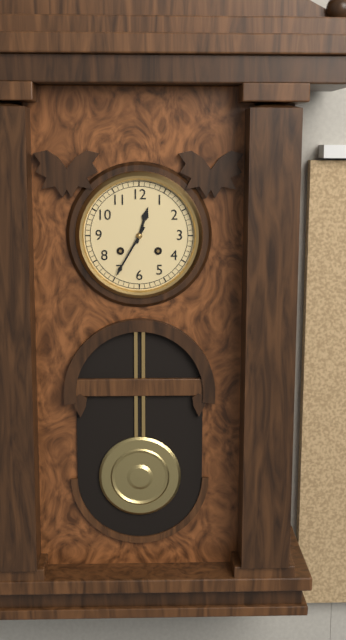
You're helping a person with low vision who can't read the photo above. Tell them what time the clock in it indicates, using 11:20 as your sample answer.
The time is 12:35
